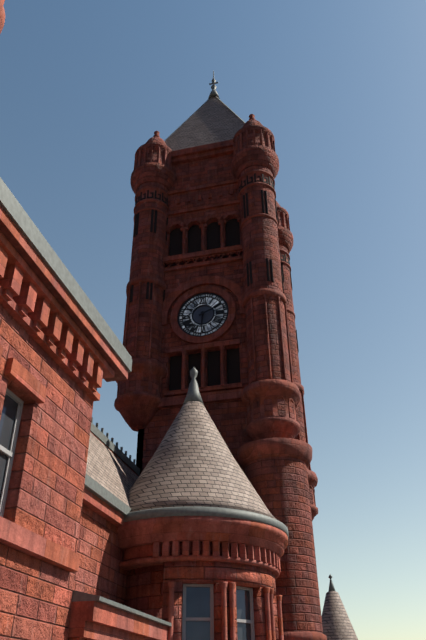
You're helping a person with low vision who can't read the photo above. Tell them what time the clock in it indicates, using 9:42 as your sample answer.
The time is 6:11
